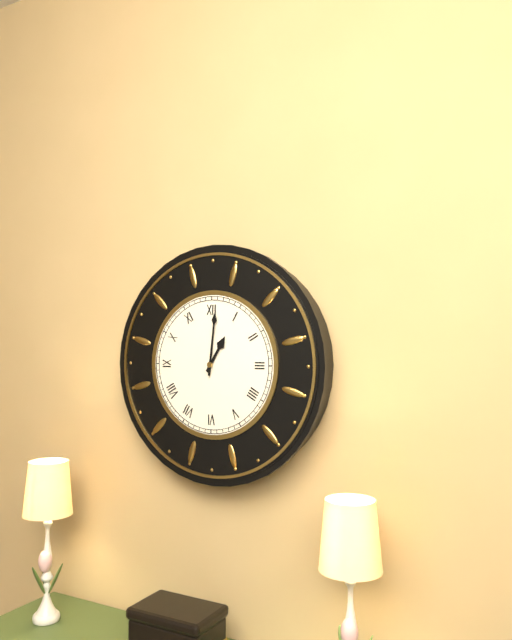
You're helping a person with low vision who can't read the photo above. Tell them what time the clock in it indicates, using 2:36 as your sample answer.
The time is 1:01
